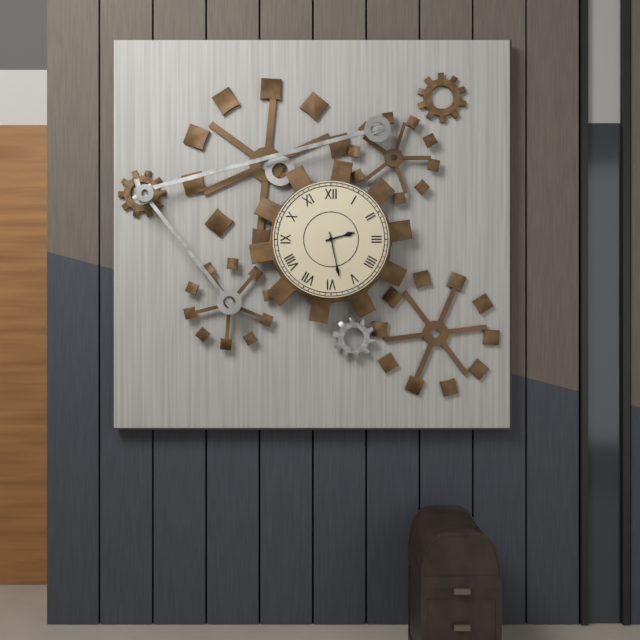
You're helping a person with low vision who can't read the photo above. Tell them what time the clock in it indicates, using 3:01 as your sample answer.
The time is 2:28
